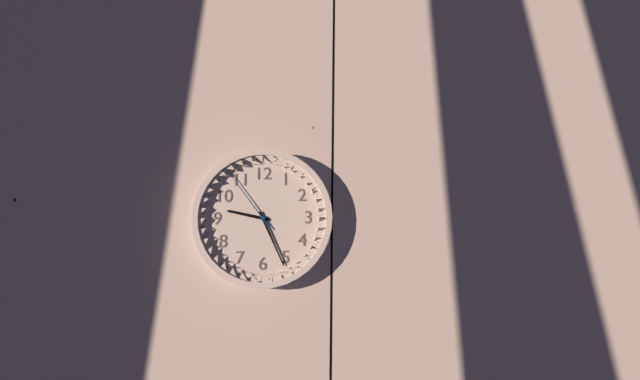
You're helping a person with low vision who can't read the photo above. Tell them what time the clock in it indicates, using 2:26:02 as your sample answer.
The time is 9:26:54
